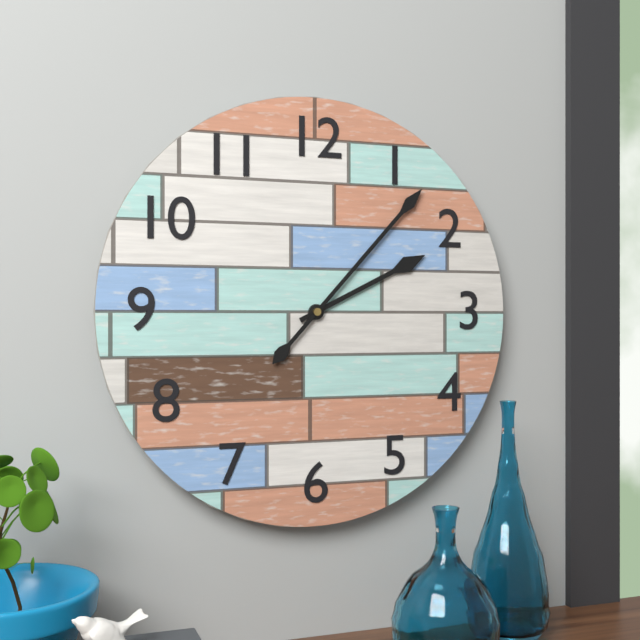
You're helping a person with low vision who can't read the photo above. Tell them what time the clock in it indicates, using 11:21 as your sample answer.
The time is 2:07
